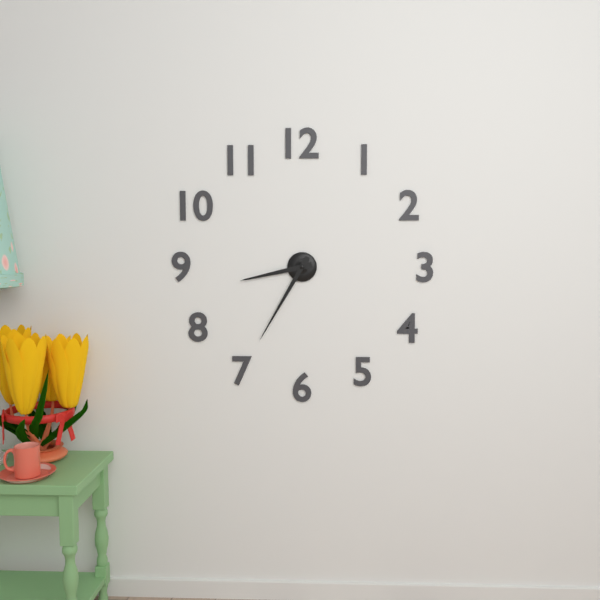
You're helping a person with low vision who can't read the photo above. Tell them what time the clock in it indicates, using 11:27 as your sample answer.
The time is 8:35
